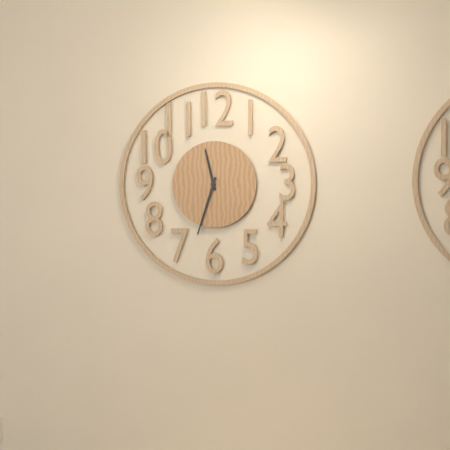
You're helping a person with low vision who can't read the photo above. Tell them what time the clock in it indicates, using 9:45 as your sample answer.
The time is 11:33
